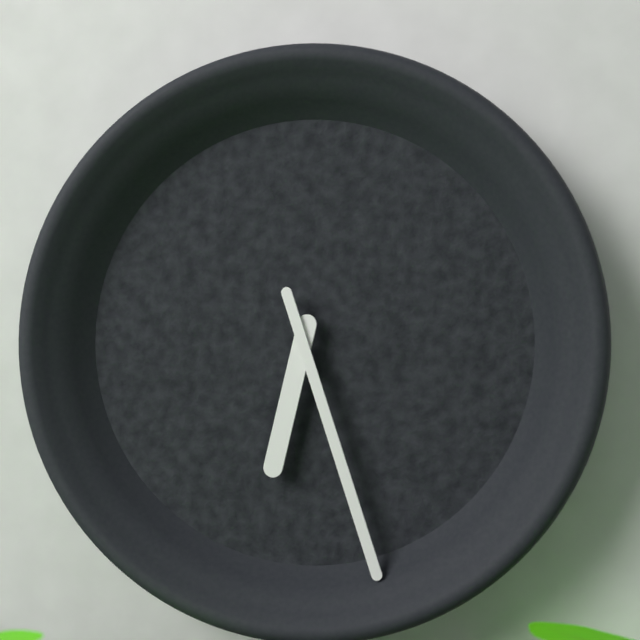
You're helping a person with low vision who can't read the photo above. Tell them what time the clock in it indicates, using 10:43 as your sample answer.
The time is 6:27
